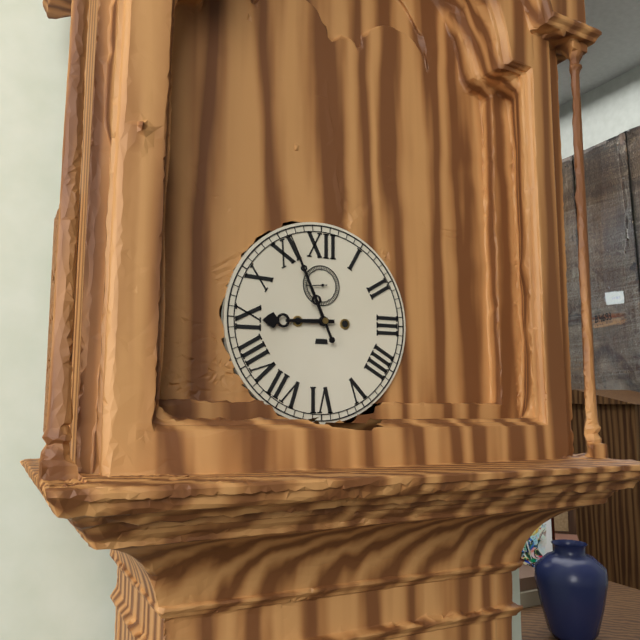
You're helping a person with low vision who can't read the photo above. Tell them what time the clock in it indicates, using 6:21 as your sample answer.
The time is 8:56
